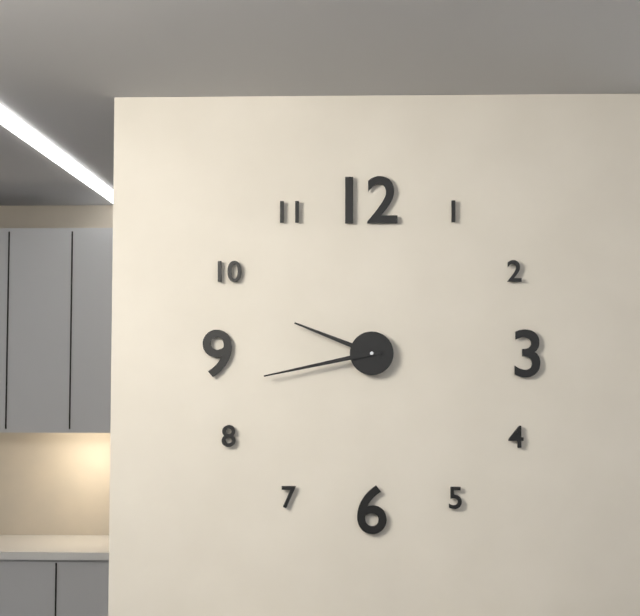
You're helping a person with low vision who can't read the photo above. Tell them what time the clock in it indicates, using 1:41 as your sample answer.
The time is 9:43
